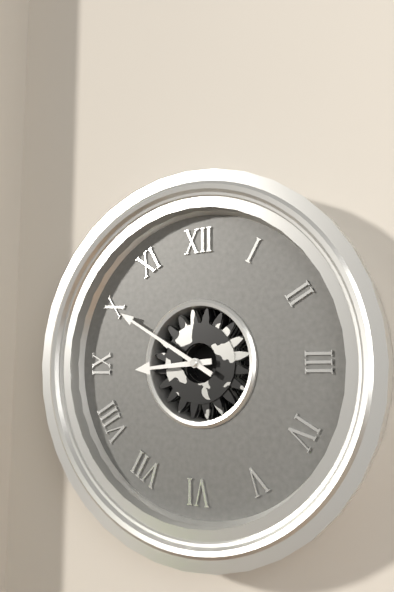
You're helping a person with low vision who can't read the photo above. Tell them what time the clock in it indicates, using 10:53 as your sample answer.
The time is 8:50
